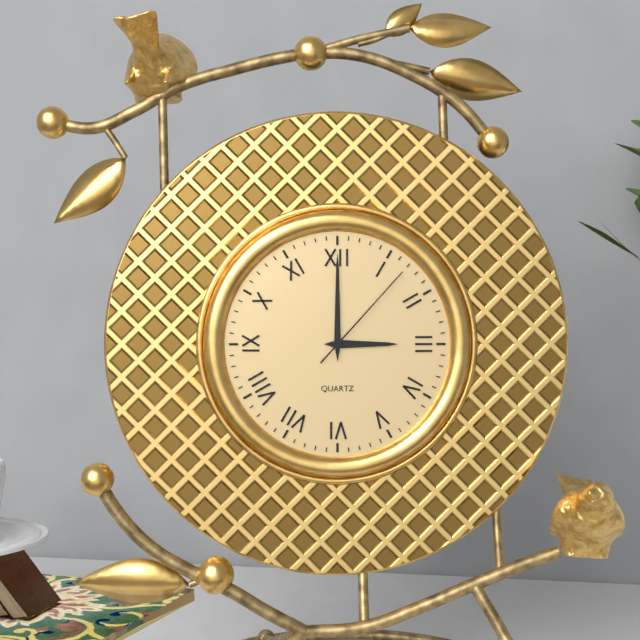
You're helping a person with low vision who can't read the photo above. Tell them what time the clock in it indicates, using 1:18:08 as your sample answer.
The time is 3:00:07
